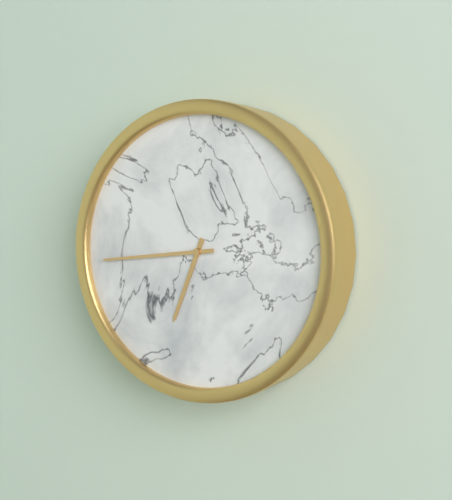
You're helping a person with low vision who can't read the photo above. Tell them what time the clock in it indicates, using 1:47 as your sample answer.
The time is 6:44
